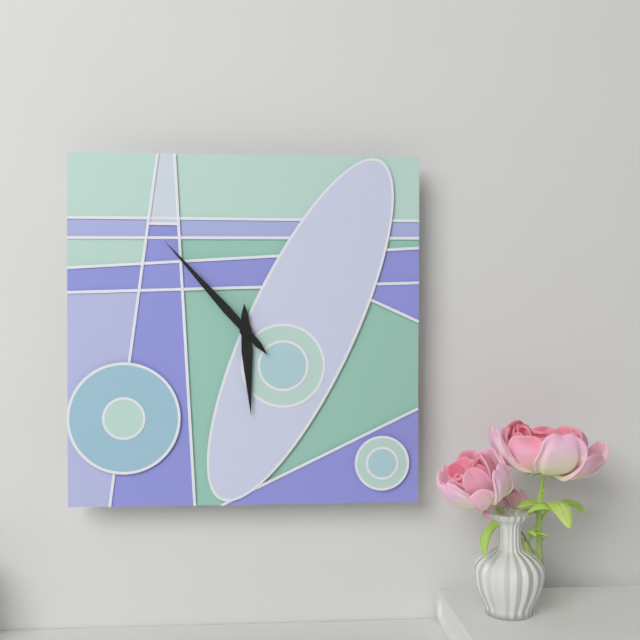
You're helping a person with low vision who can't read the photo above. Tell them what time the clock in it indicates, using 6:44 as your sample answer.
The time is 5:53
